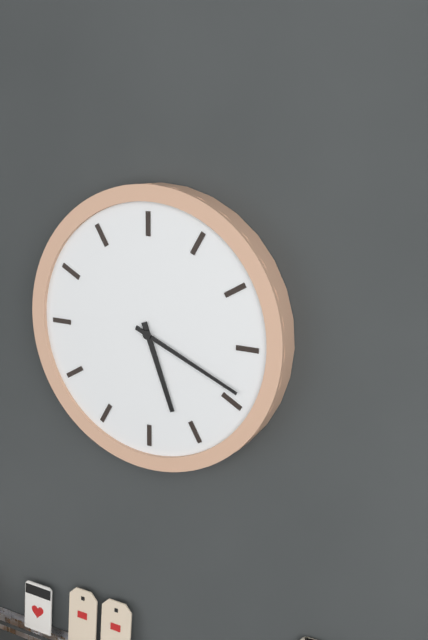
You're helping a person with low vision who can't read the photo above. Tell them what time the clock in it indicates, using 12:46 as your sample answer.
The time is 5:19
